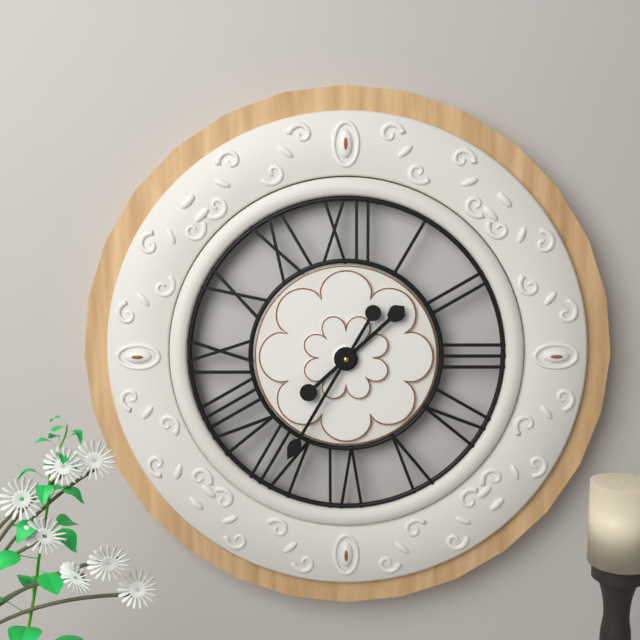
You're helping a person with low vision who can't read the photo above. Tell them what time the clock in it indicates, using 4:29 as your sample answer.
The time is 1:35
